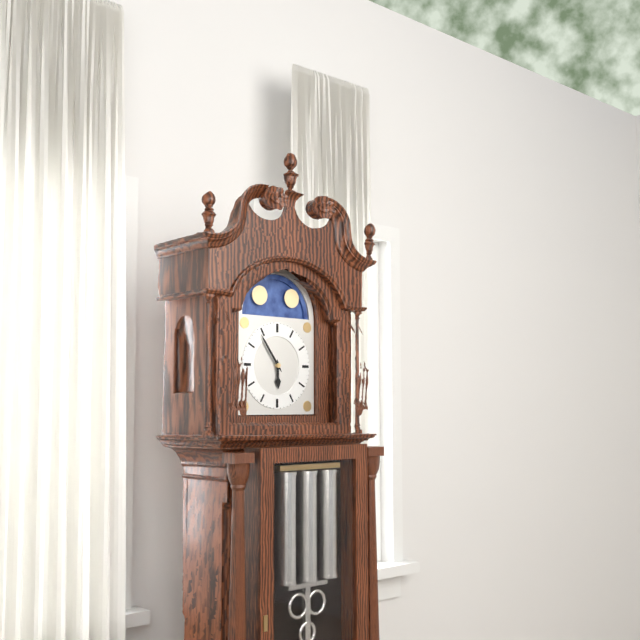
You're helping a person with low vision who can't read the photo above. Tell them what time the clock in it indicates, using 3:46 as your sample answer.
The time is 5:54
